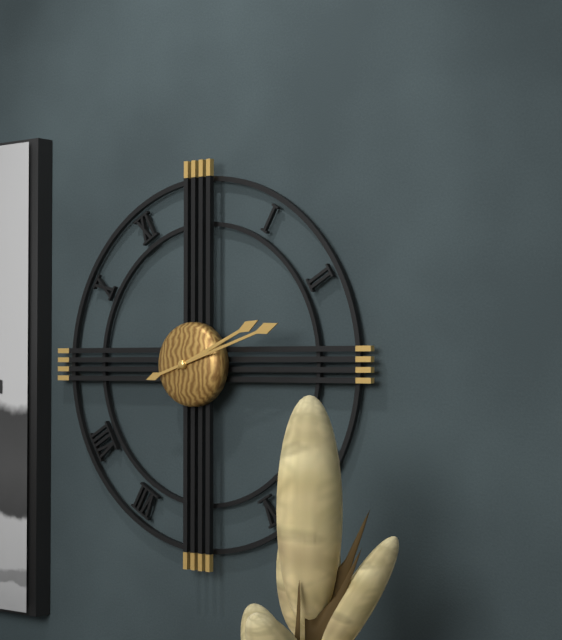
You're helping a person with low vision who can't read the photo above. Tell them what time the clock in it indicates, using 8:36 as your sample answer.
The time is 2:12
